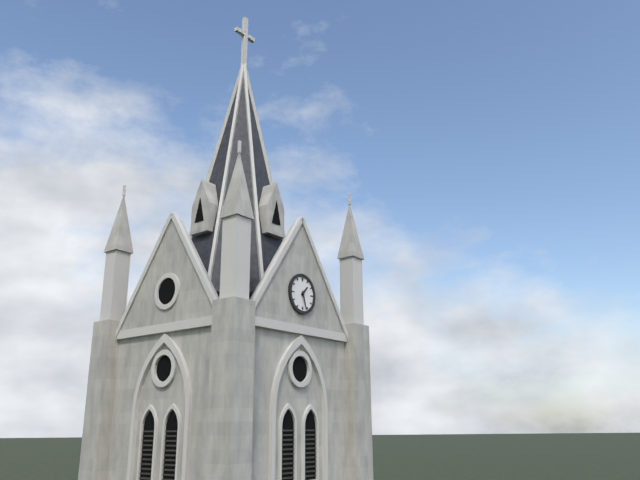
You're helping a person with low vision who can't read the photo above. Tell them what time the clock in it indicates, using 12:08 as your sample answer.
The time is 1:27
